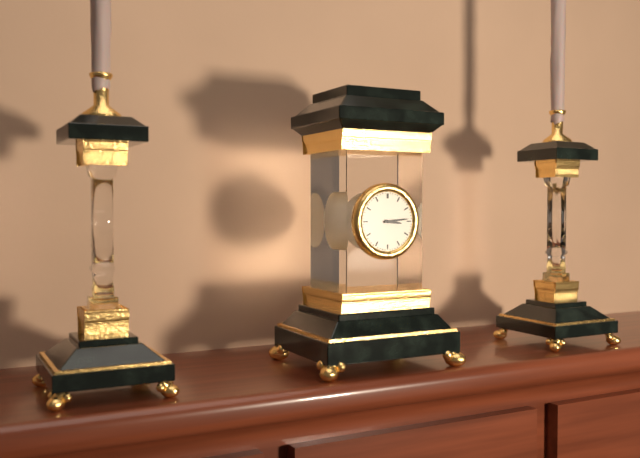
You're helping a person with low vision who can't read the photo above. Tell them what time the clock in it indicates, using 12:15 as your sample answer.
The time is 3:14
